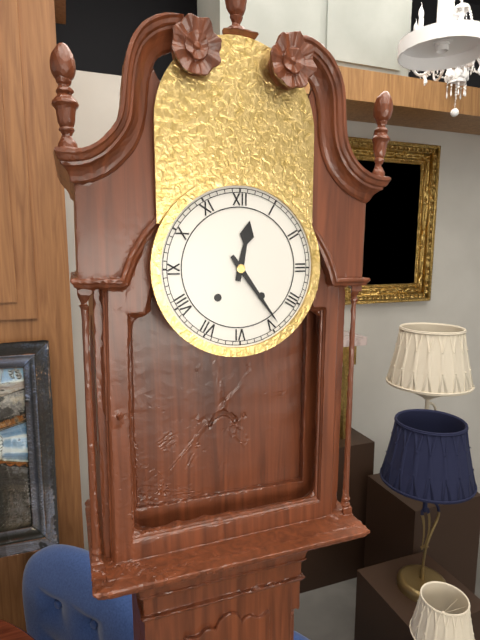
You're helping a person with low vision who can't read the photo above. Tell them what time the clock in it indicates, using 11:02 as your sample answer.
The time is 12:24
